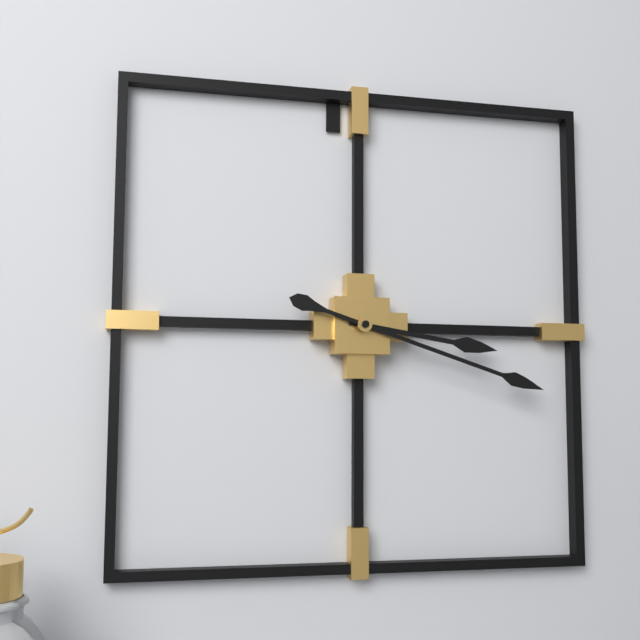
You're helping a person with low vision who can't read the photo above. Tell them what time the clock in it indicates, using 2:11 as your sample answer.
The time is 3:18
